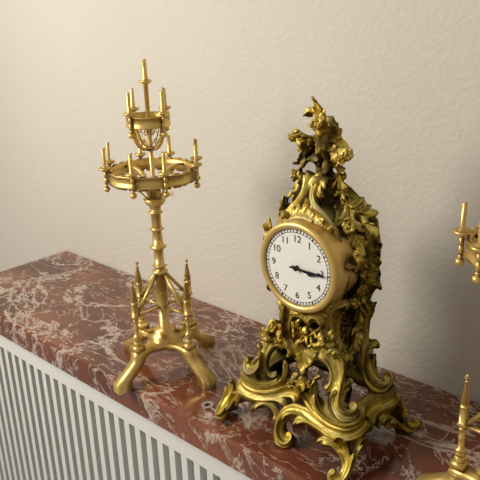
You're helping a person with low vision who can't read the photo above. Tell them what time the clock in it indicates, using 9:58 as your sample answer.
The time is 3:15
